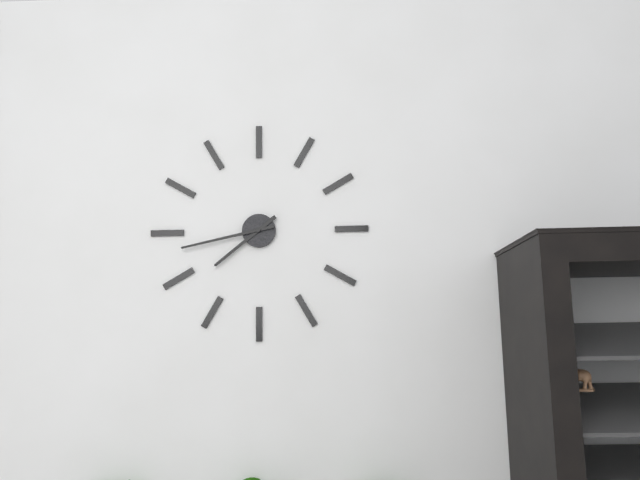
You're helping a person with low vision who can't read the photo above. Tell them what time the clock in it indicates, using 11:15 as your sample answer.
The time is 7:43
